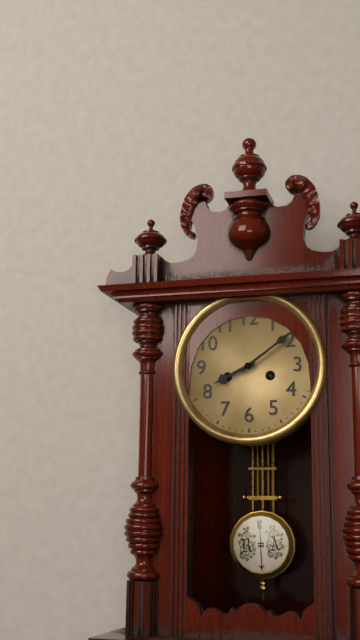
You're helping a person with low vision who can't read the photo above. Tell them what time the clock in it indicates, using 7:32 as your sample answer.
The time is 8:09
